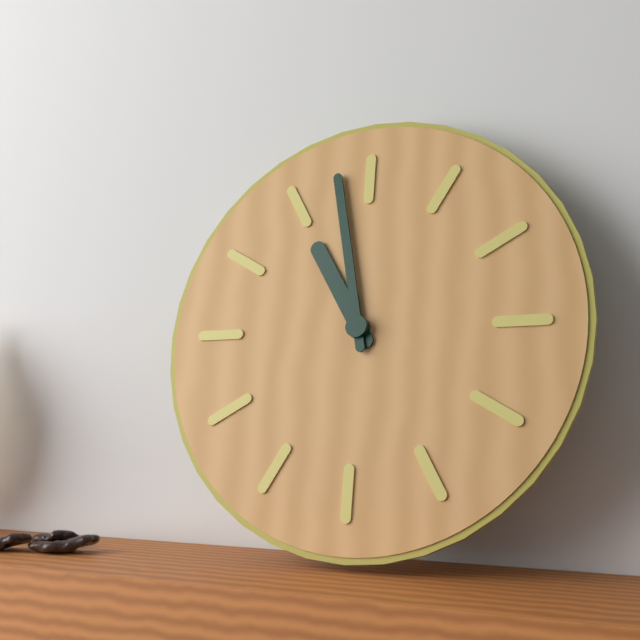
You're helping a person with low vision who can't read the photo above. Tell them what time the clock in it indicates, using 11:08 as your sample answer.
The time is 10:58
